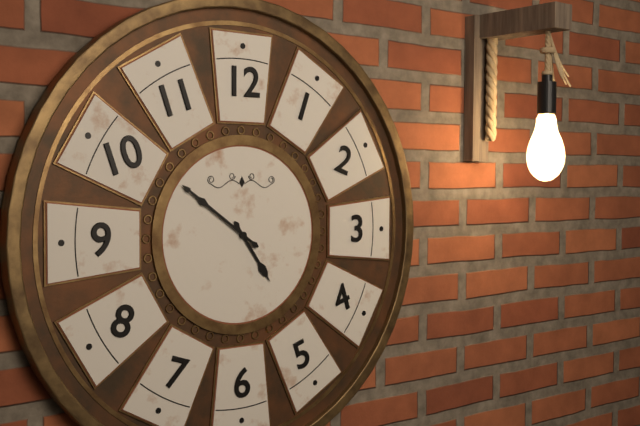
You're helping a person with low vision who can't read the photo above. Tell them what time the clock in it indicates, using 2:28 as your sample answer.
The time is 4:51
